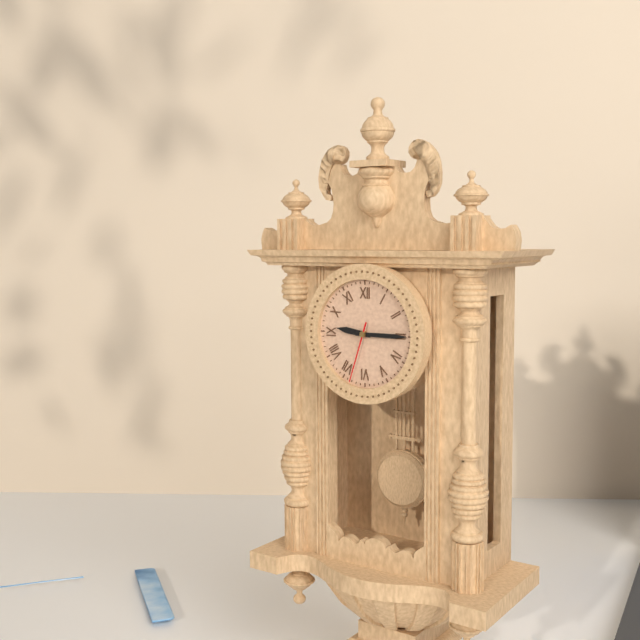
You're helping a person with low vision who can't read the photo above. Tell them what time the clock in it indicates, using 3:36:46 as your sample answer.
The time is 9:15:33
